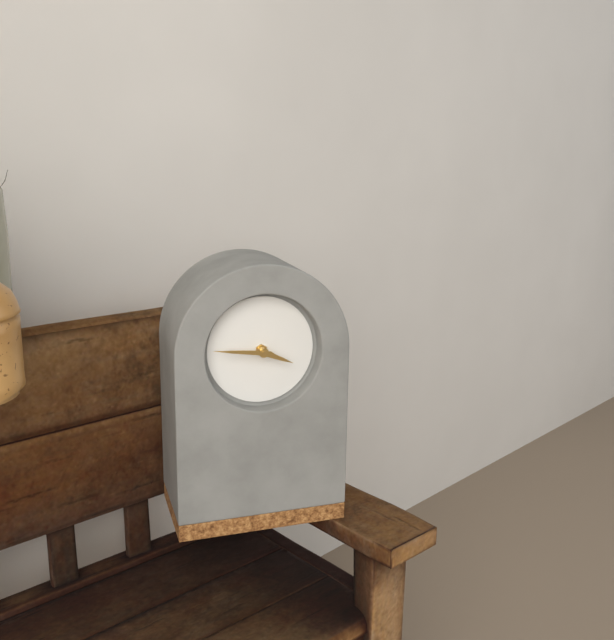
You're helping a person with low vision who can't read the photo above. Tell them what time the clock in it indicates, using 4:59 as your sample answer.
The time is 3:46
